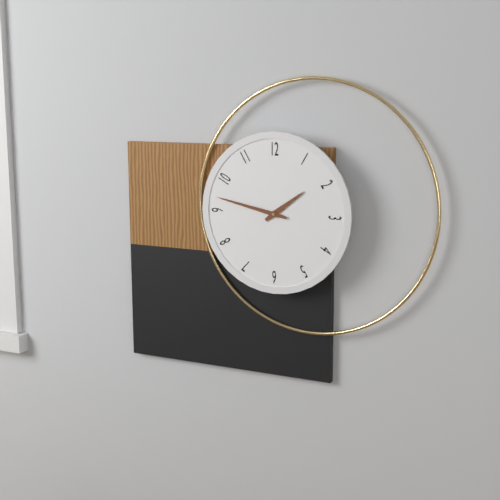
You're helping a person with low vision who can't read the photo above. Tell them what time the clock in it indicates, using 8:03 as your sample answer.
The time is 1:47
